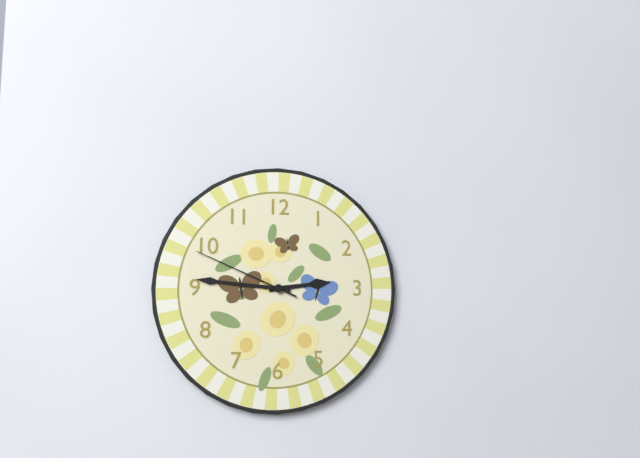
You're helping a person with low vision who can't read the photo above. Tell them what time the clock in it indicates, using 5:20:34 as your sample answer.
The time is 2:46:49
